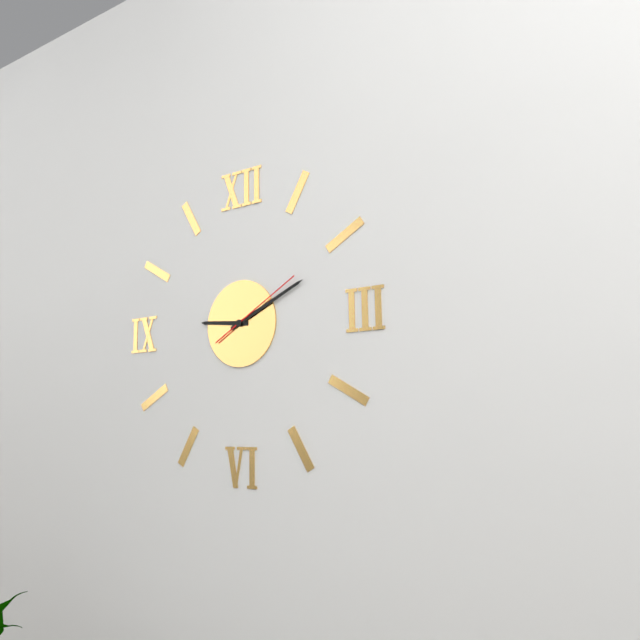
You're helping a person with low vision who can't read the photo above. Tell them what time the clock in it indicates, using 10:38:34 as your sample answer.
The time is 9:11:10
